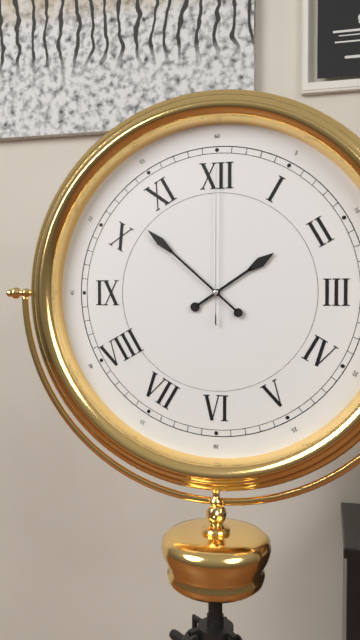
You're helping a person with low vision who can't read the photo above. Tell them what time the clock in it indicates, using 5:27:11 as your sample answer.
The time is 1:52:00
